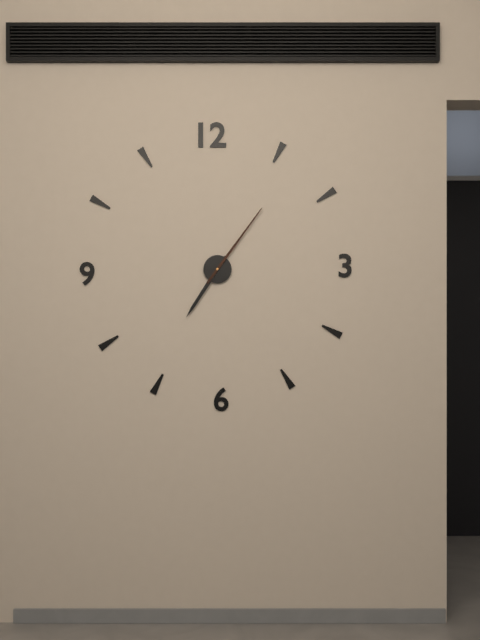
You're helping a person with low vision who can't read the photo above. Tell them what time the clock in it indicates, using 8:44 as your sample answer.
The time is 7:06
